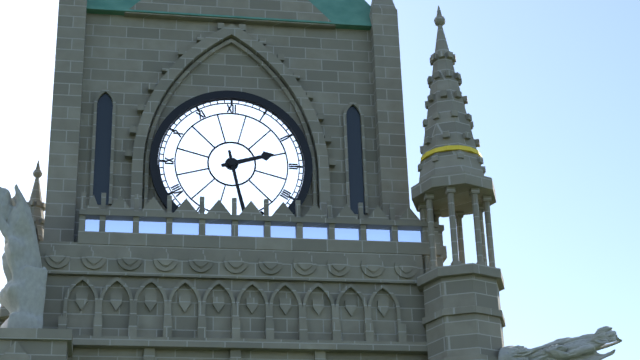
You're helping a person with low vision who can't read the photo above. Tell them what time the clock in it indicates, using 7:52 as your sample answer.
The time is 2:28
